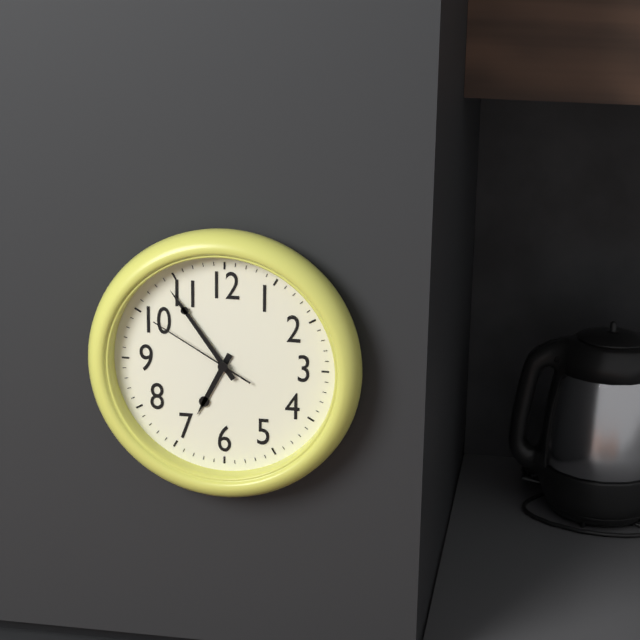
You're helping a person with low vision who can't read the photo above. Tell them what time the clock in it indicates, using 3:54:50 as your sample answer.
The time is 6:54:50
